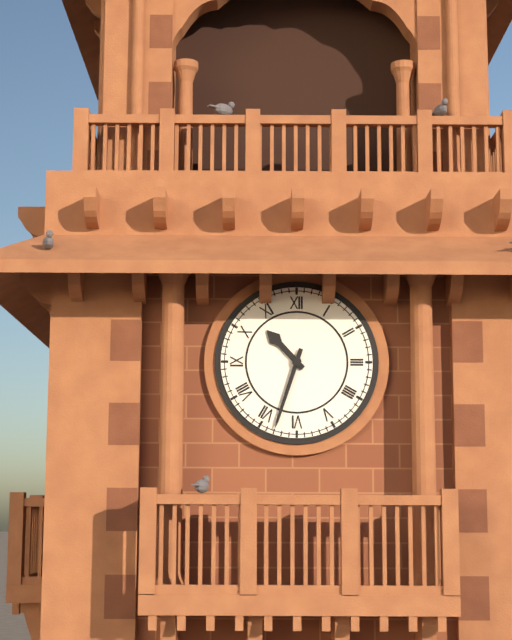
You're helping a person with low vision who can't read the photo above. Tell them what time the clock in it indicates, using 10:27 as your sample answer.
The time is 10:33
